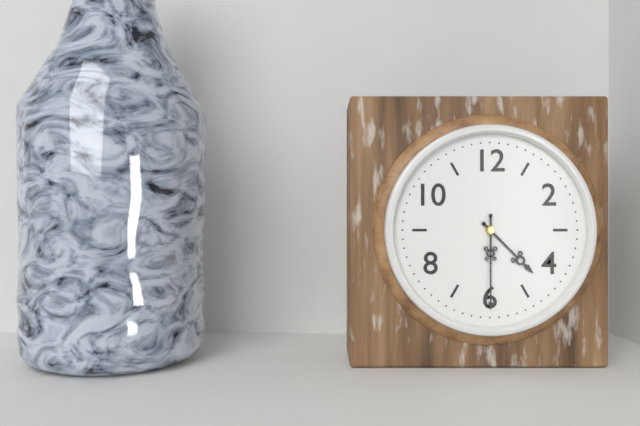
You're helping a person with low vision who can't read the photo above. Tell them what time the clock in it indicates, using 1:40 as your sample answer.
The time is 4:30
